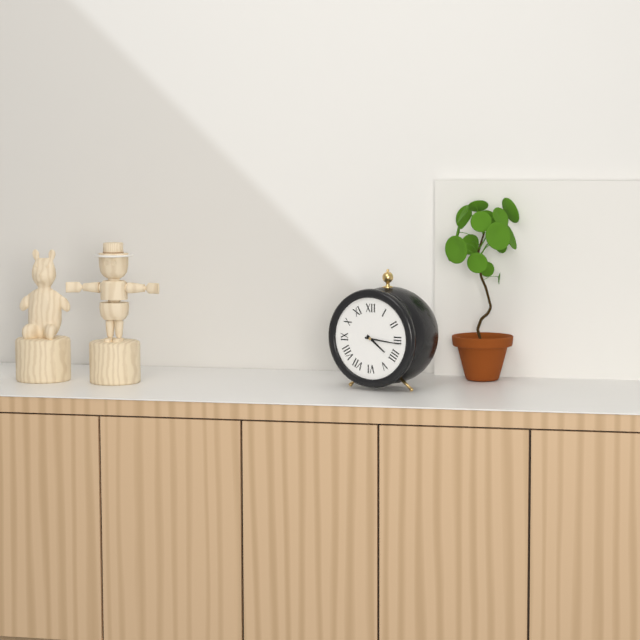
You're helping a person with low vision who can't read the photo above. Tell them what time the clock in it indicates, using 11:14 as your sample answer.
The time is 4:16
